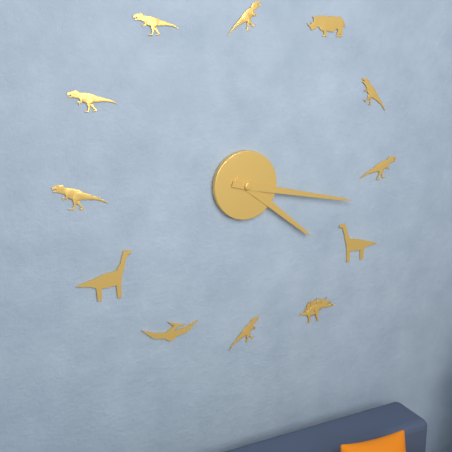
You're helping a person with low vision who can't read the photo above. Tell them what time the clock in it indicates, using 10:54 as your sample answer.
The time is 4:17
